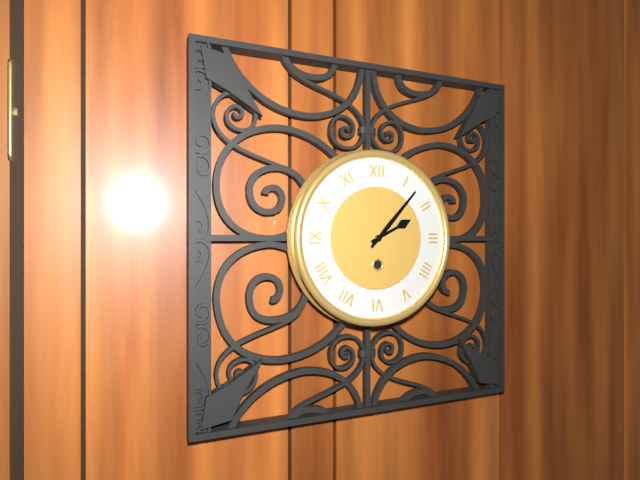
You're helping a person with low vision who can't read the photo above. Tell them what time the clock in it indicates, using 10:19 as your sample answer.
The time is 2:07
